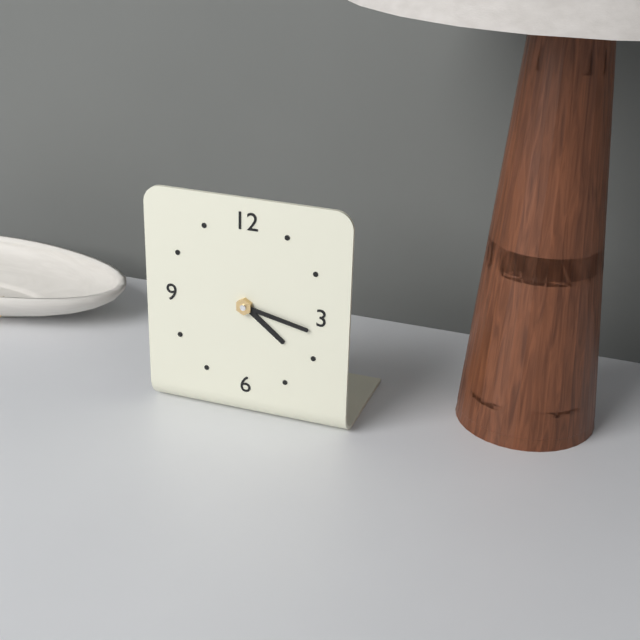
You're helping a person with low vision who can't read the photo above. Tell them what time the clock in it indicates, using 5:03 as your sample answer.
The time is 4:17
